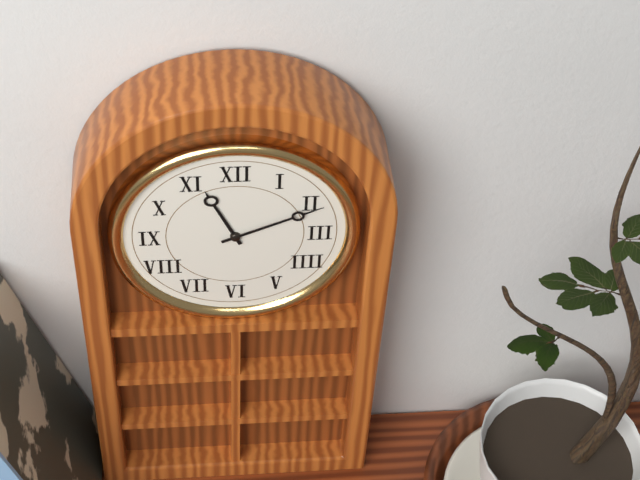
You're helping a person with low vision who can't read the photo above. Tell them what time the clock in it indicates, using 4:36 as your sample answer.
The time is 11:11
